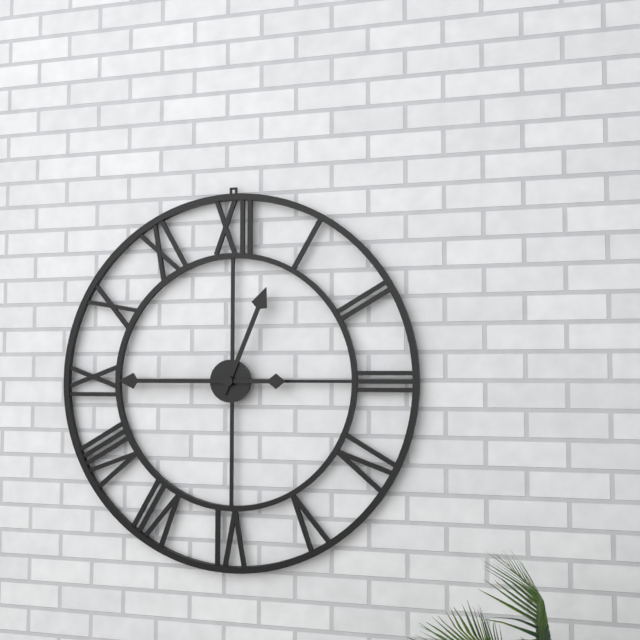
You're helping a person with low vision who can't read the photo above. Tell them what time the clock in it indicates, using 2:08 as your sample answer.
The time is 12:45
